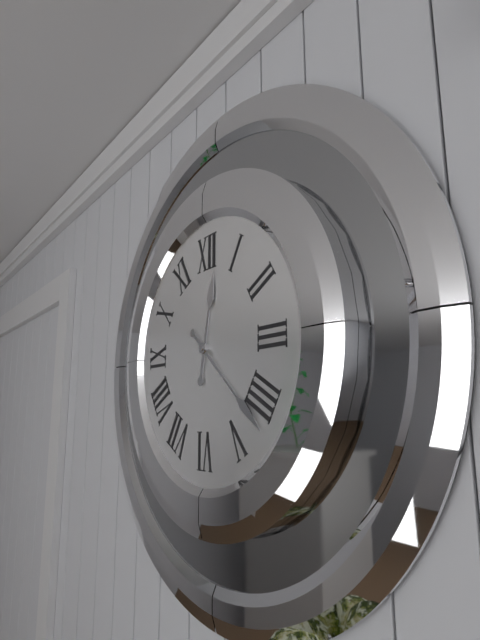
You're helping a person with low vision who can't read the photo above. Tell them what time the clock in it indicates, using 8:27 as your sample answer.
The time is 12:22
